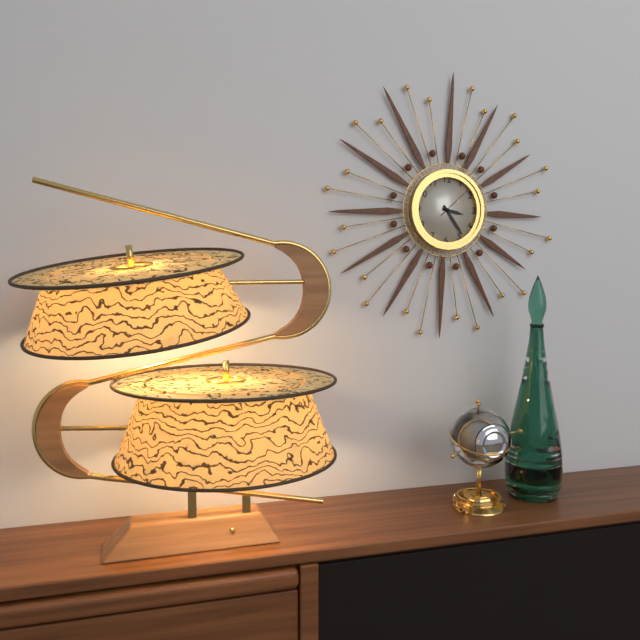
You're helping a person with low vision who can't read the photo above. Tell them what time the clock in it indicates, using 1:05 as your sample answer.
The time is 3:24
